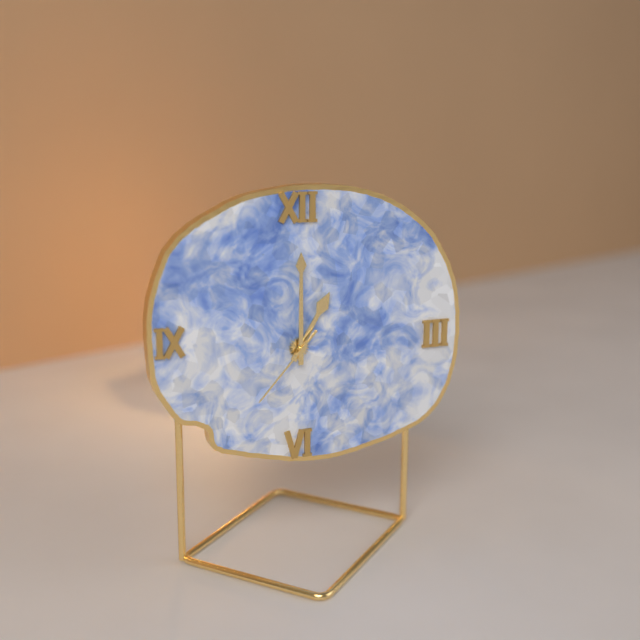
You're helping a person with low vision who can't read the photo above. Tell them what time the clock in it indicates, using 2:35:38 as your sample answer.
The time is 1:00:37
